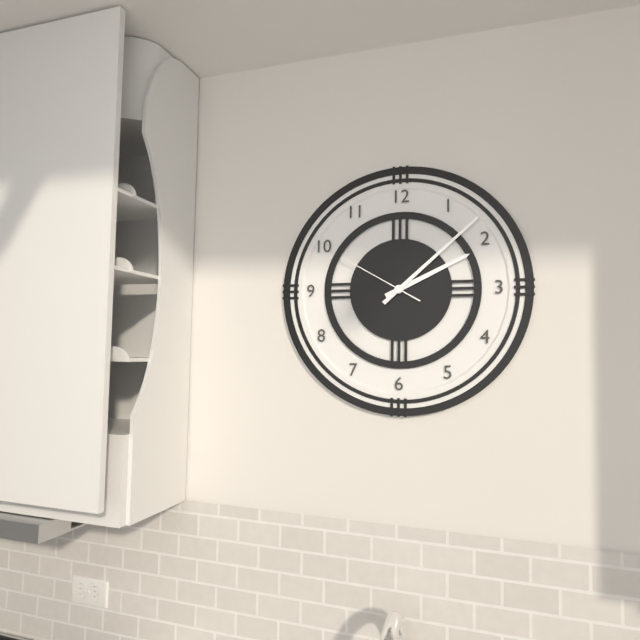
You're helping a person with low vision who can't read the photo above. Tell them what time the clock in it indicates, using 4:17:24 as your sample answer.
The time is 2:08:50
